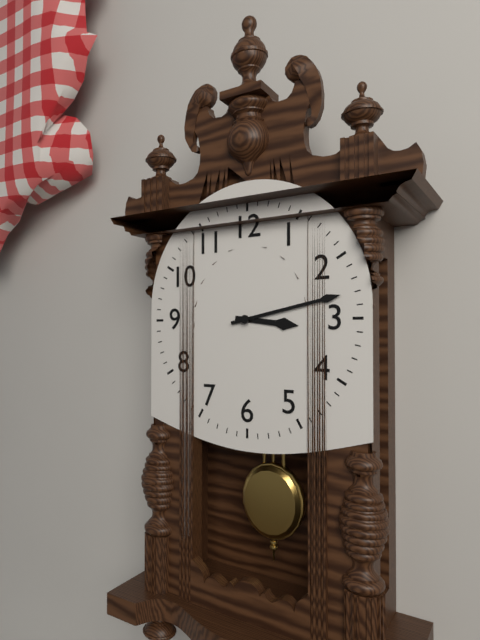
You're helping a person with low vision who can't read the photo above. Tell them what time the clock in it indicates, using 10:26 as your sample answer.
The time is 3:13
